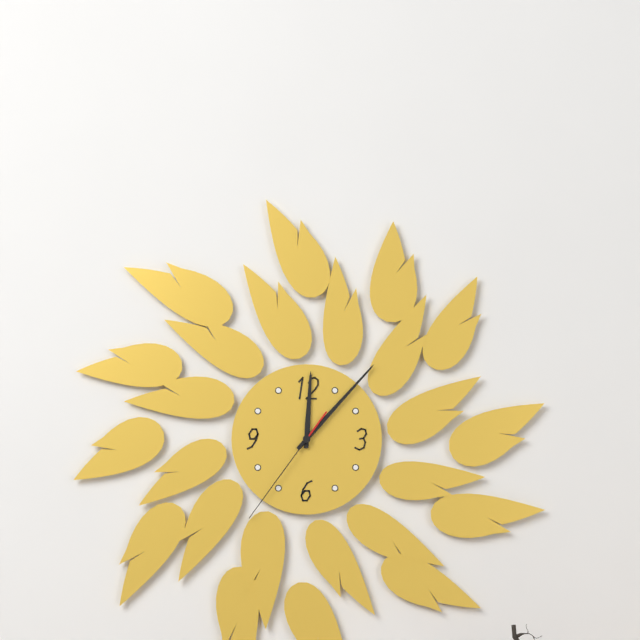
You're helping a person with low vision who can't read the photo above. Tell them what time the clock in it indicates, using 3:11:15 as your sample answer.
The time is 12:07:36
